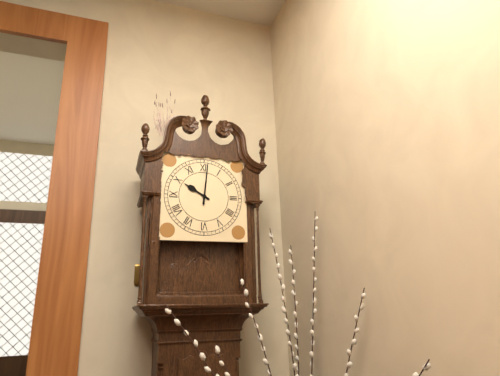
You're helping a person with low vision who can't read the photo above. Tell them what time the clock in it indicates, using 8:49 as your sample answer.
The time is 10:01
